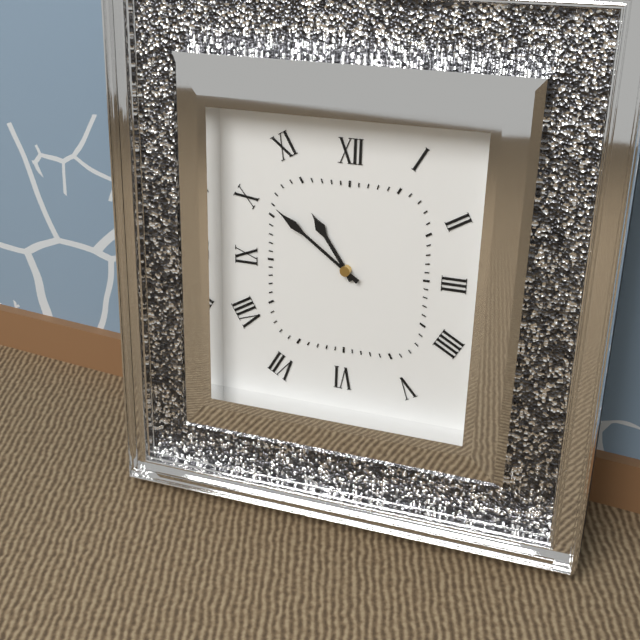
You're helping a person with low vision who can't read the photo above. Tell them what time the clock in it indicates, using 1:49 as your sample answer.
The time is 10:51
